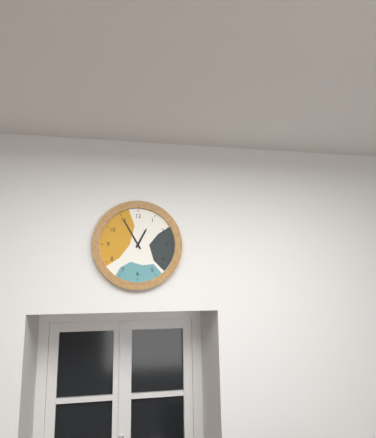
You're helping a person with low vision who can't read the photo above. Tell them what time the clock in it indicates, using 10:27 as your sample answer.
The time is 12:55
